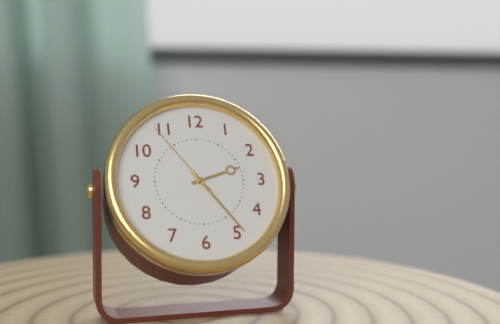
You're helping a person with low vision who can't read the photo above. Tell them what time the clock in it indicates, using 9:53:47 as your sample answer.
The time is 2:24:54
